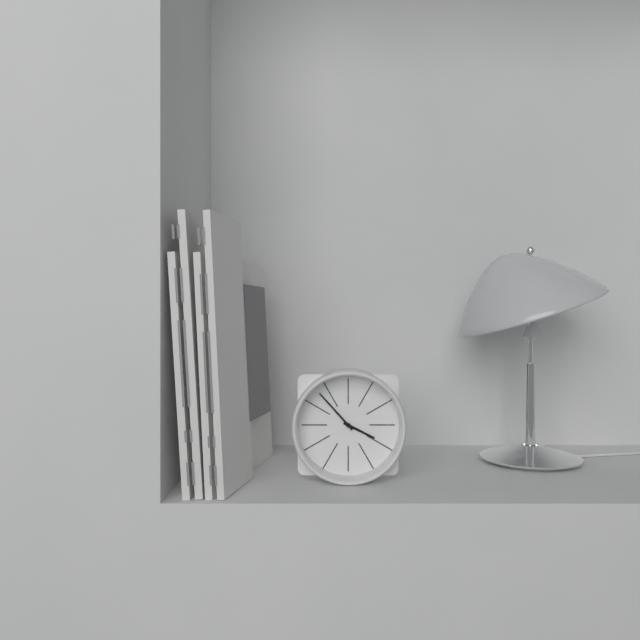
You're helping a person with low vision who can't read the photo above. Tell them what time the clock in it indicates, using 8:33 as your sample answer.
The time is 3:53
